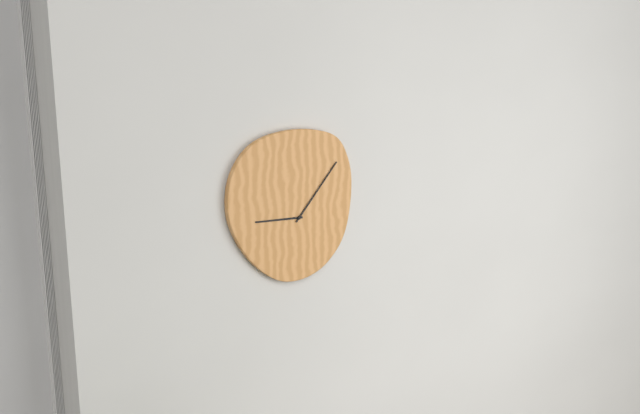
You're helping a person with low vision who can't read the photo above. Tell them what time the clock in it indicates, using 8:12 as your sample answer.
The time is 9:07
